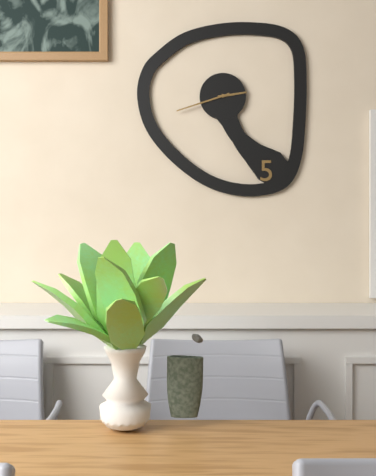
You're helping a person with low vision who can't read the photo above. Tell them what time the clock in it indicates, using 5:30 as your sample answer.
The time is 2:42
